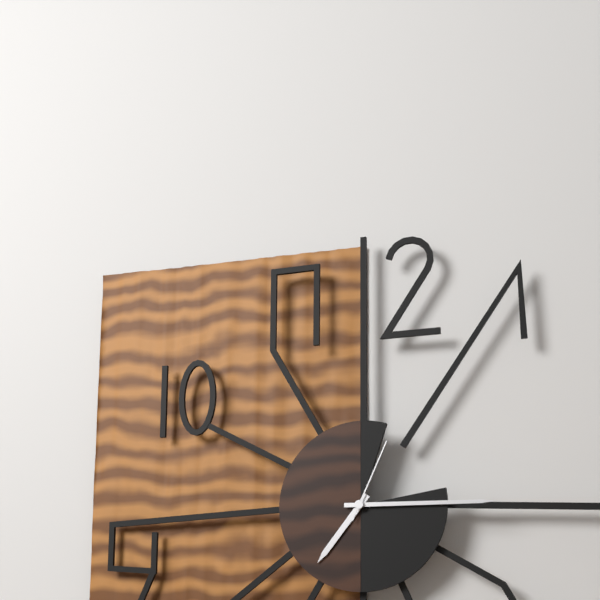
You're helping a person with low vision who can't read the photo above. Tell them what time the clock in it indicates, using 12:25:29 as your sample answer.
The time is 7:15:04
